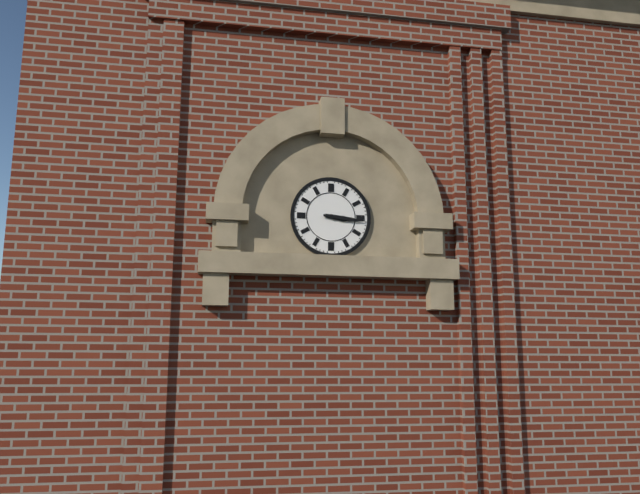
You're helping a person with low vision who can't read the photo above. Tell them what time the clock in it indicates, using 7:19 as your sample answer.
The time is 3:16
